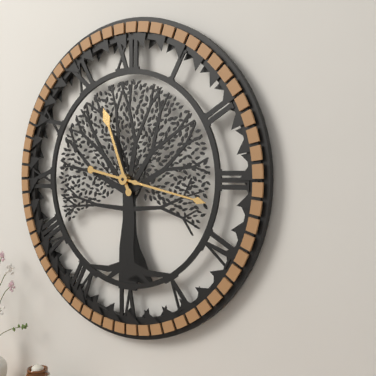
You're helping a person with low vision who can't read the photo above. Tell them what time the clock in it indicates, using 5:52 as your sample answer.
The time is 11:17
